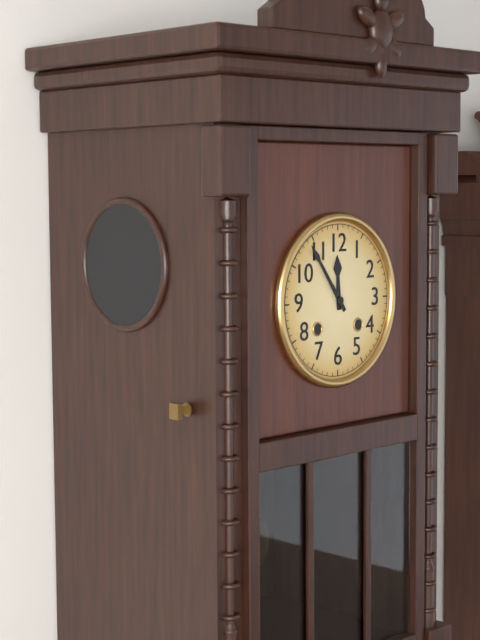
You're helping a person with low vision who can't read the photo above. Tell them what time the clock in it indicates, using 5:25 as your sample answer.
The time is 11:54
